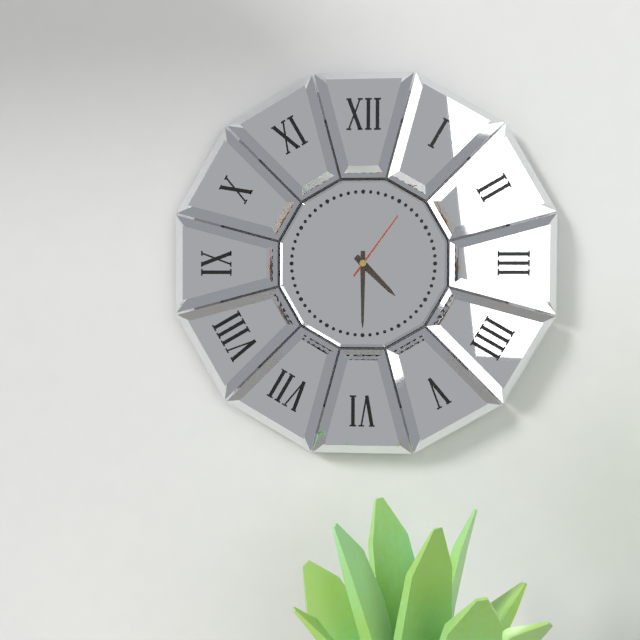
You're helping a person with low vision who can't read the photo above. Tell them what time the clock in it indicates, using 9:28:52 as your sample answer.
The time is 4:30:06
